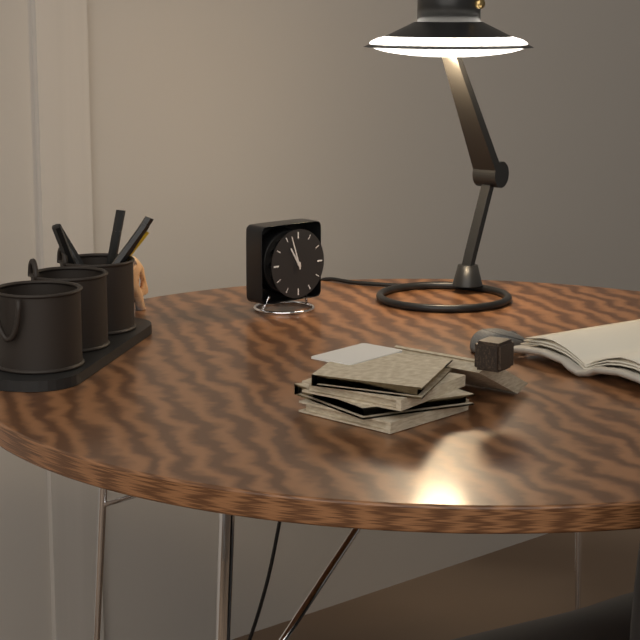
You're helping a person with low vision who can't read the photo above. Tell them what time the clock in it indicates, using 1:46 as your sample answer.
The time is 10:57
